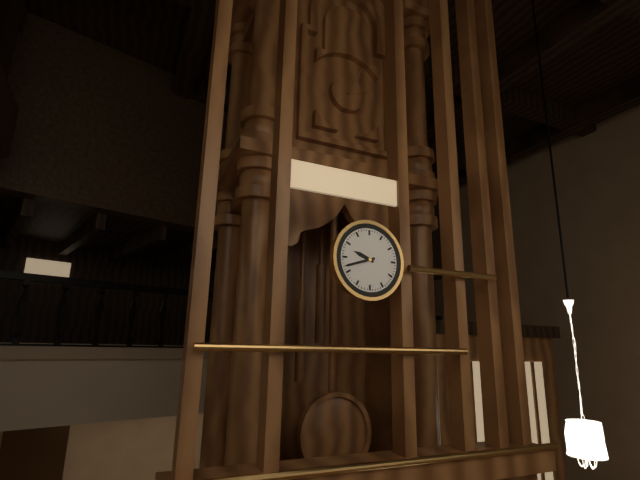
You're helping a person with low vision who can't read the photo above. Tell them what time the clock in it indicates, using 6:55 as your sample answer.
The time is 9:42
